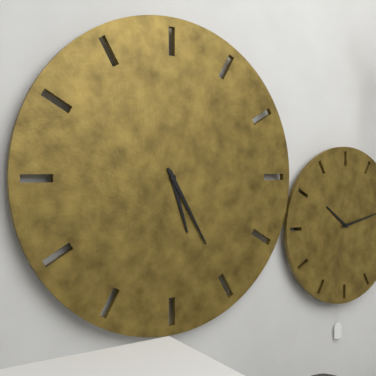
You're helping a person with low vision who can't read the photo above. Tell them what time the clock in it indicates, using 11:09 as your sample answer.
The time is 5:25
